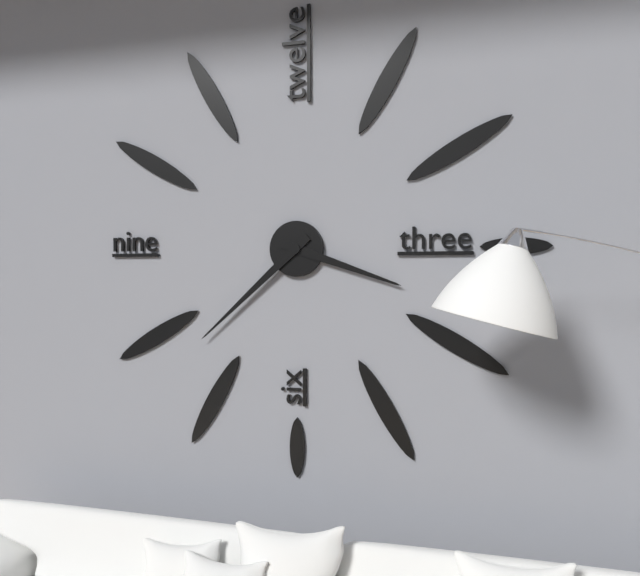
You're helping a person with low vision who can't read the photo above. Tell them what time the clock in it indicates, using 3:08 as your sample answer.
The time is 3:38
